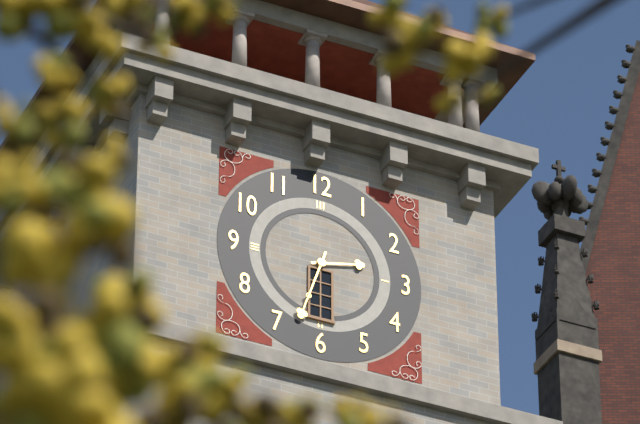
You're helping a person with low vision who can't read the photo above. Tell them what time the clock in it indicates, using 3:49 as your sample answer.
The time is 2:33
